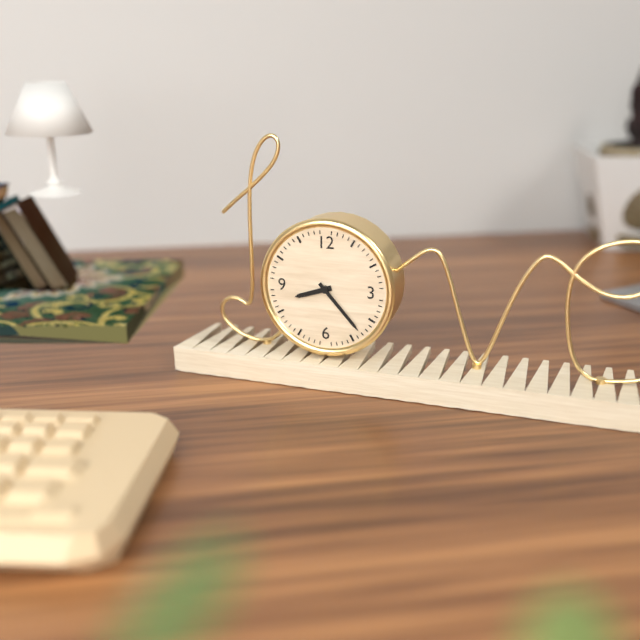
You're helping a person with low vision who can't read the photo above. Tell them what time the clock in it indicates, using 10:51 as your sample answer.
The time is 8:23
